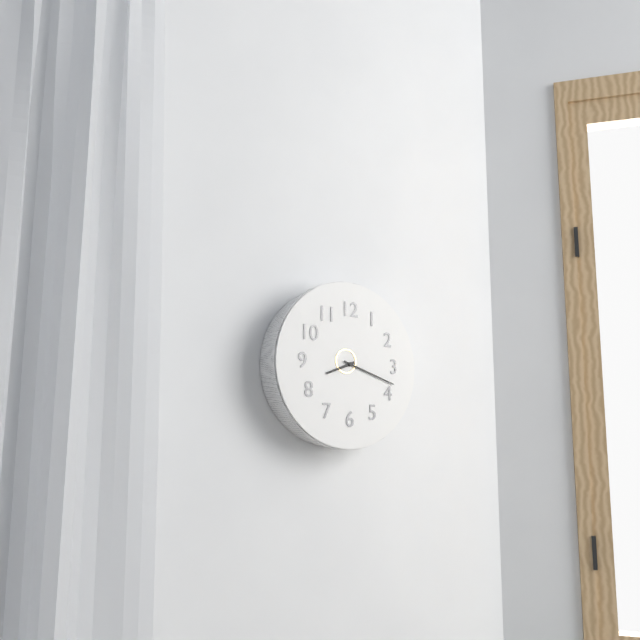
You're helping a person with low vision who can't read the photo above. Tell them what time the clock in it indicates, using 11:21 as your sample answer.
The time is 8:18
